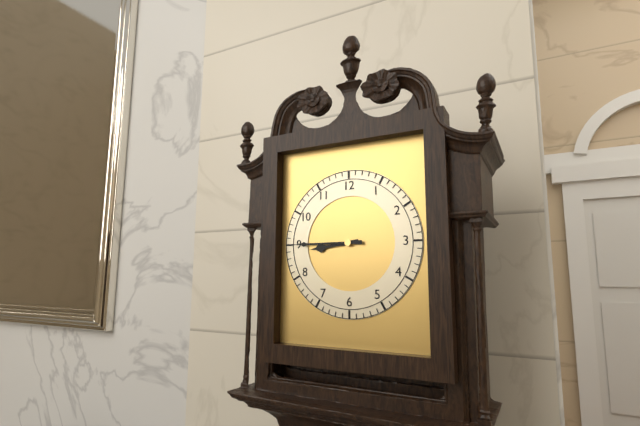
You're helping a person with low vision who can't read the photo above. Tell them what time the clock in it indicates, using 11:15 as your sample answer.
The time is 8:45
